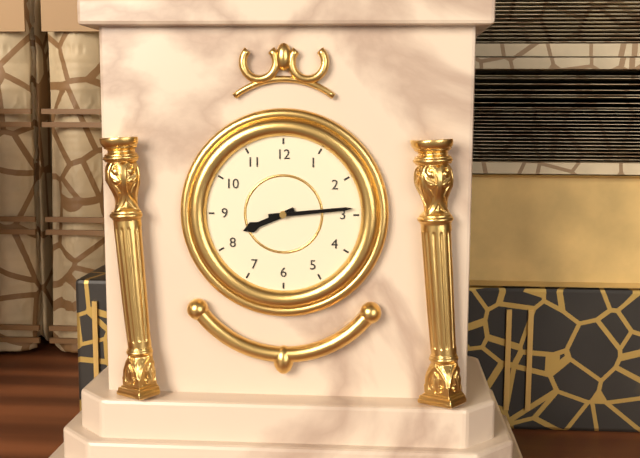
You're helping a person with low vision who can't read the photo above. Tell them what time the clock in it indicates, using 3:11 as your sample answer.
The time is 8:14
